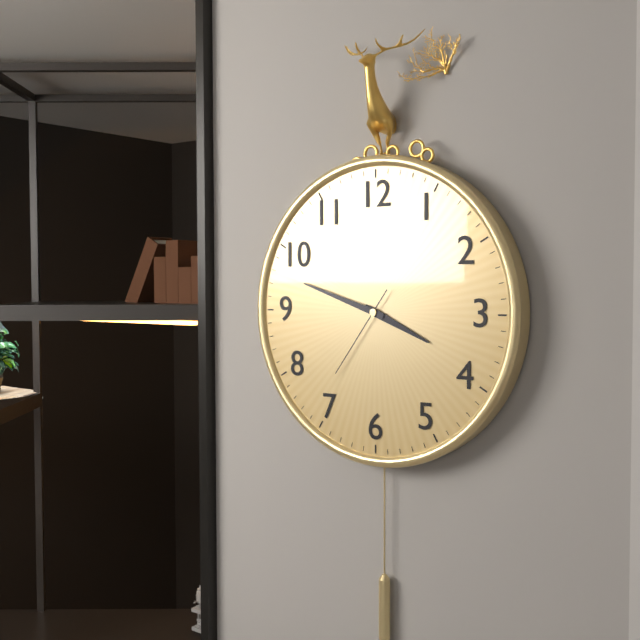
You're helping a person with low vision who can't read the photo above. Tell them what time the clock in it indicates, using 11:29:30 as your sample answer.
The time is 3:48:36
